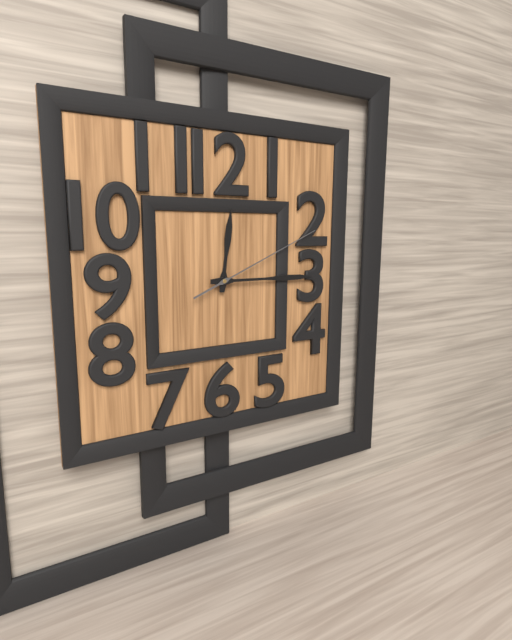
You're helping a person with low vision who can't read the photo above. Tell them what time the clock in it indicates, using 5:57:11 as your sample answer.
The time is 12:15:11
